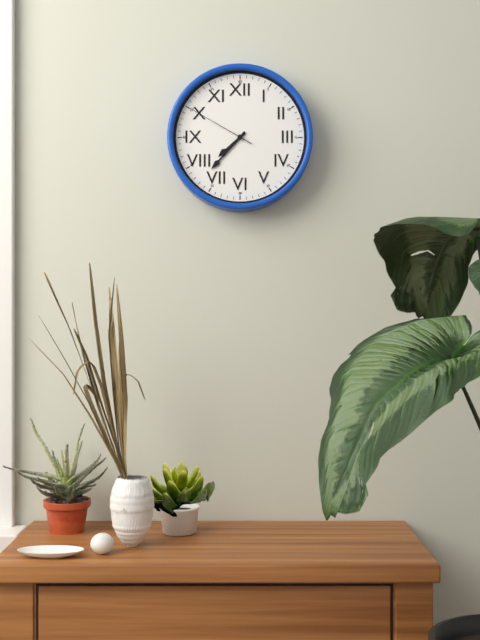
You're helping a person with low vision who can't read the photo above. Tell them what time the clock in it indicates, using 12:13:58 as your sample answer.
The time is 7:37:50
